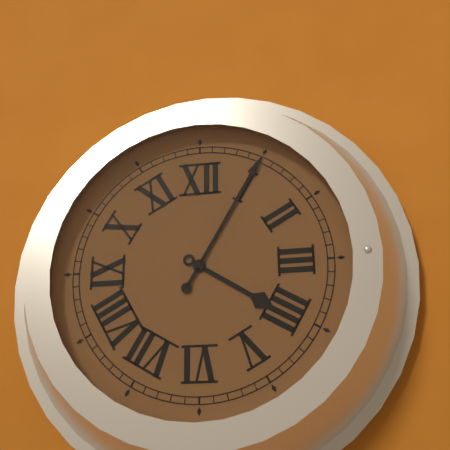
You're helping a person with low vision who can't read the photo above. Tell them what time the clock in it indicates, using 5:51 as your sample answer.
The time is 4:05
